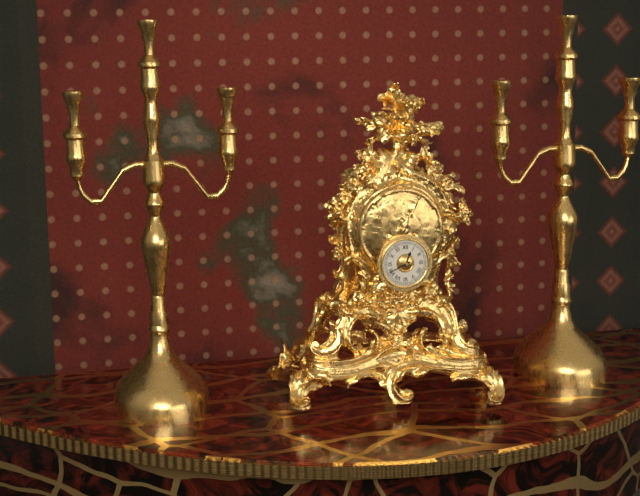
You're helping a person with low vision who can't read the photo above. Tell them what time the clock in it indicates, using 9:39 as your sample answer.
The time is 12:41
